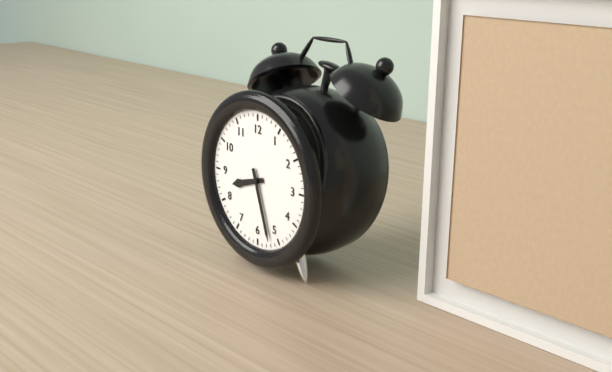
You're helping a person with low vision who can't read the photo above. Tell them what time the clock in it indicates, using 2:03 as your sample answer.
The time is 8:27
